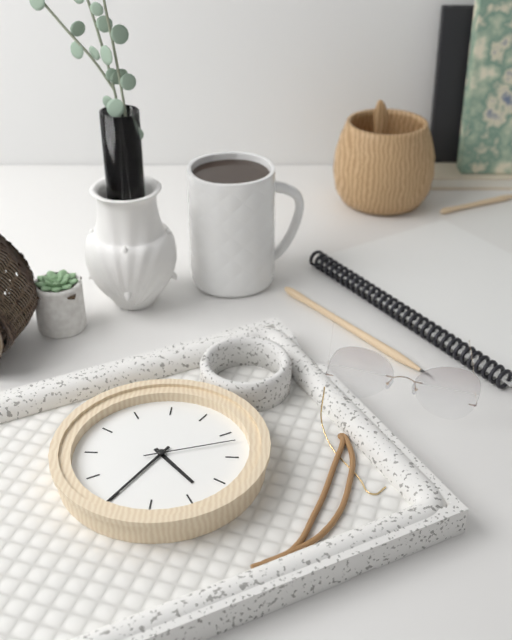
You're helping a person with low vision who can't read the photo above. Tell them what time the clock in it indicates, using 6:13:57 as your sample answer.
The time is 4:35:12
